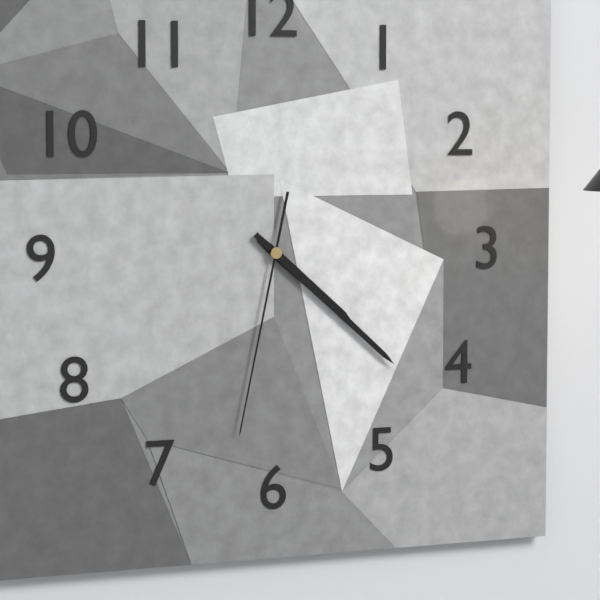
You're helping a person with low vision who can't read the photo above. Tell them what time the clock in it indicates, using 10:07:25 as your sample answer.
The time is 4:22:32
